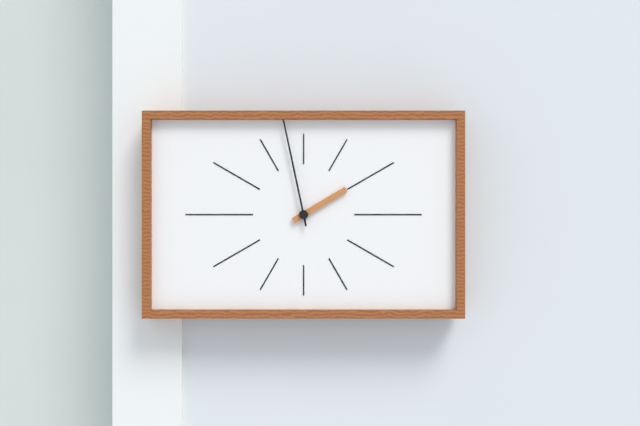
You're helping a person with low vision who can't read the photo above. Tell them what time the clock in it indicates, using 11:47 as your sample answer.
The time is 1:58
